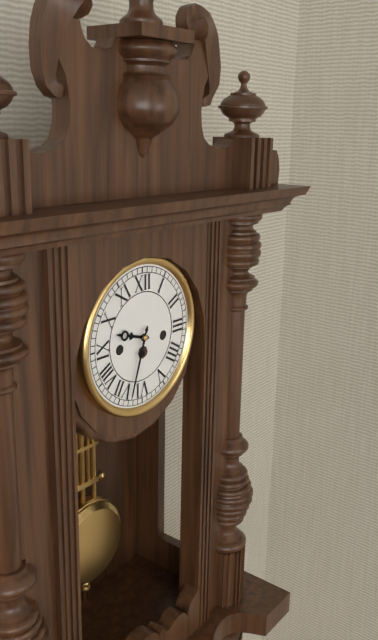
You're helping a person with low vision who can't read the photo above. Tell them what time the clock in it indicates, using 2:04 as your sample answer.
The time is 9:33
